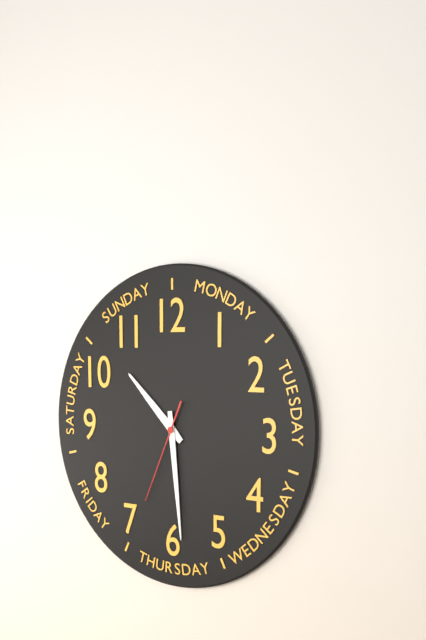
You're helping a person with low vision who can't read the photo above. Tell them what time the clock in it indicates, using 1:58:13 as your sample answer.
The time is 10:29:34
